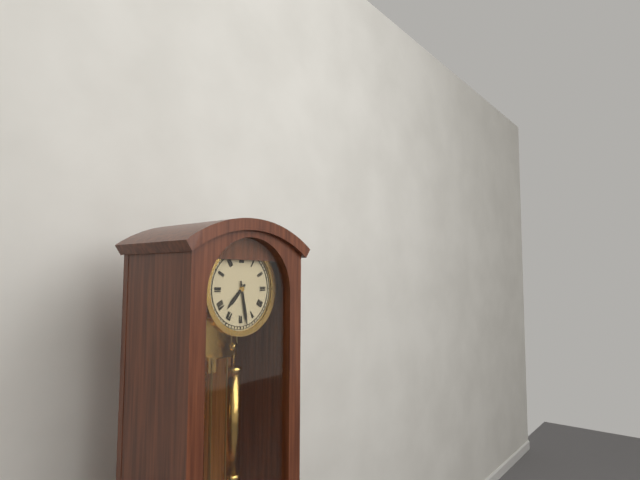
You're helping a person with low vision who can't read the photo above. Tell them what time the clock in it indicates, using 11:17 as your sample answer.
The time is 7:28
